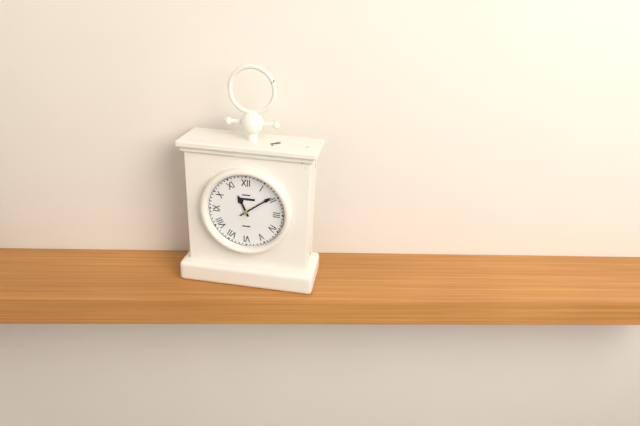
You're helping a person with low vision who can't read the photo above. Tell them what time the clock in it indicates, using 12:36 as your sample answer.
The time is 11:09
